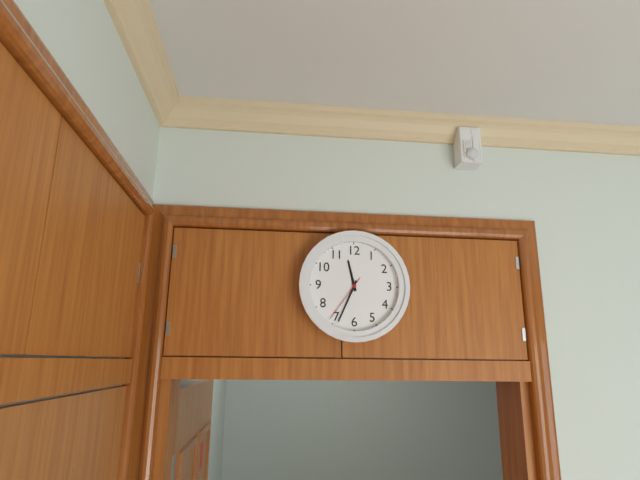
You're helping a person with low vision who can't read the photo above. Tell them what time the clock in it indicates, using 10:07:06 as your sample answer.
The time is 11:34:36
